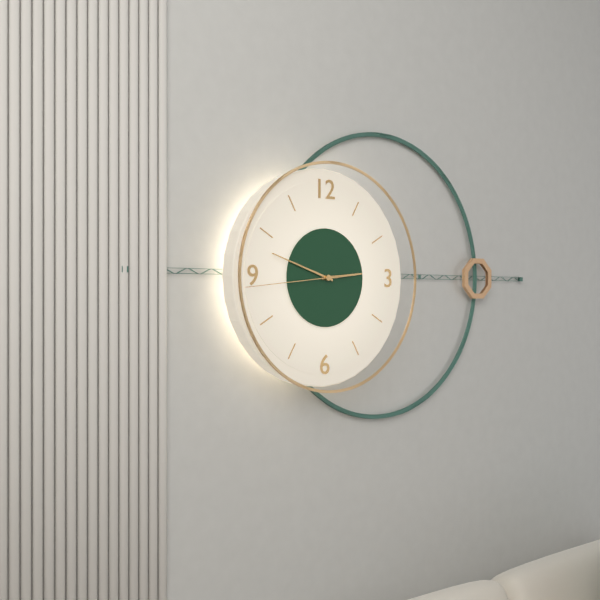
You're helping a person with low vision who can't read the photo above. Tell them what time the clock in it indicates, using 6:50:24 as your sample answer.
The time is 2:48:44
